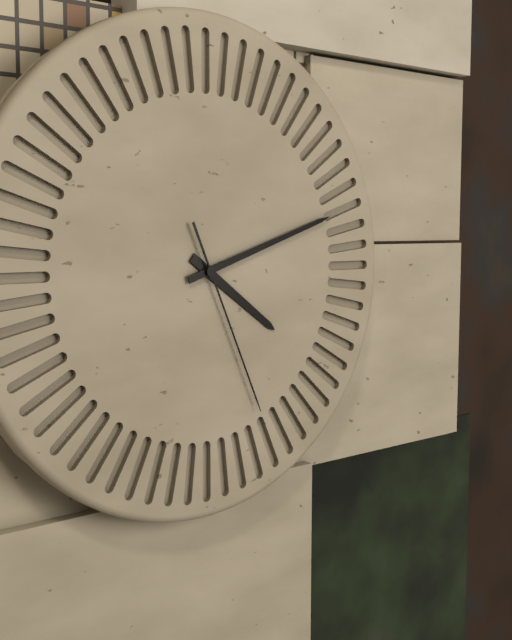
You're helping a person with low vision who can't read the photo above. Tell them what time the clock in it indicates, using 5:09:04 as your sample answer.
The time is 4:12:26
